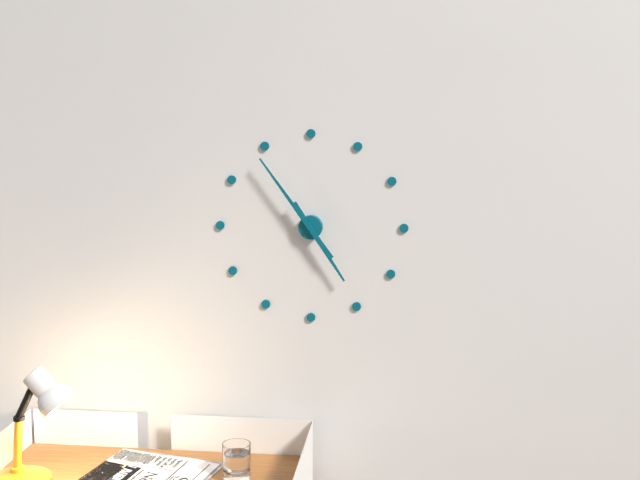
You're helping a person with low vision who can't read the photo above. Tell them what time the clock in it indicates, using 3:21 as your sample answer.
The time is 4:54
